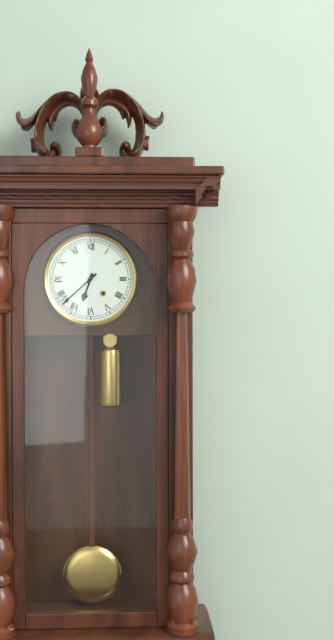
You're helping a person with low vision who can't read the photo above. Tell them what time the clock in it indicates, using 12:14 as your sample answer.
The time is 6:38
